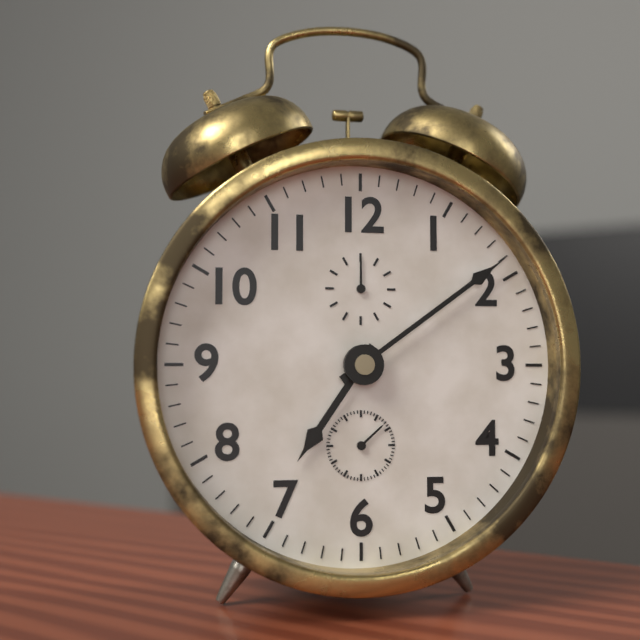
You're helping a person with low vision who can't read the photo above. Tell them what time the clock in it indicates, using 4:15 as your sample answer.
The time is 7:09
